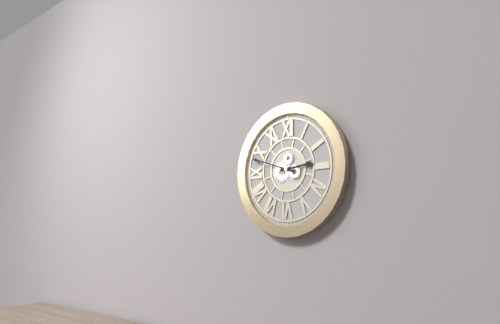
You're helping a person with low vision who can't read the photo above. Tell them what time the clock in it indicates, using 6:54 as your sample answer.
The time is 2:48
